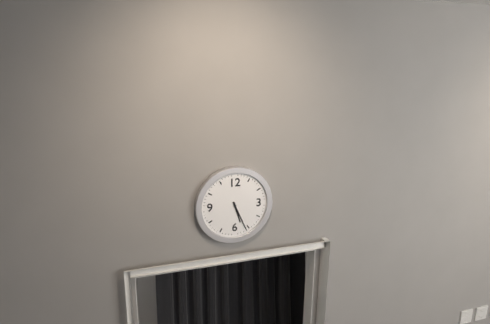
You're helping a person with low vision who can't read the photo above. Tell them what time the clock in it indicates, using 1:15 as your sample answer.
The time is 5:26
